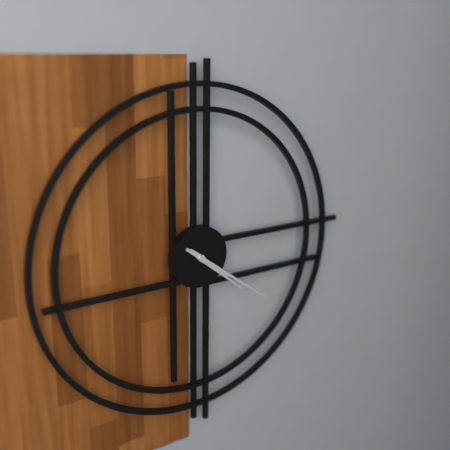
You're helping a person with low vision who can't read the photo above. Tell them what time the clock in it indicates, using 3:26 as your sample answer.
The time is 4:21
